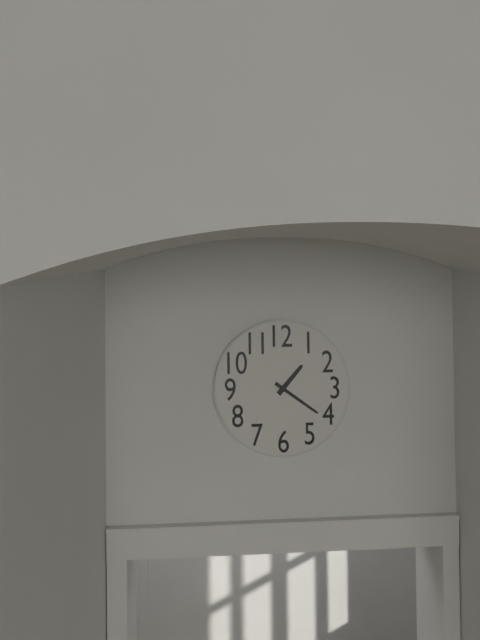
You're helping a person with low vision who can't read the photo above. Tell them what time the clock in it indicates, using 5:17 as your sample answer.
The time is 1:21
